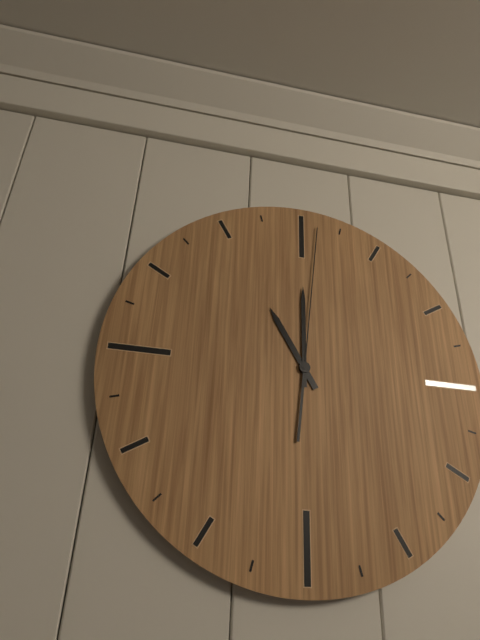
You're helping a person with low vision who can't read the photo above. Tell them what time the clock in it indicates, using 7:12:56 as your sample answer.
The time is 11:00:01
